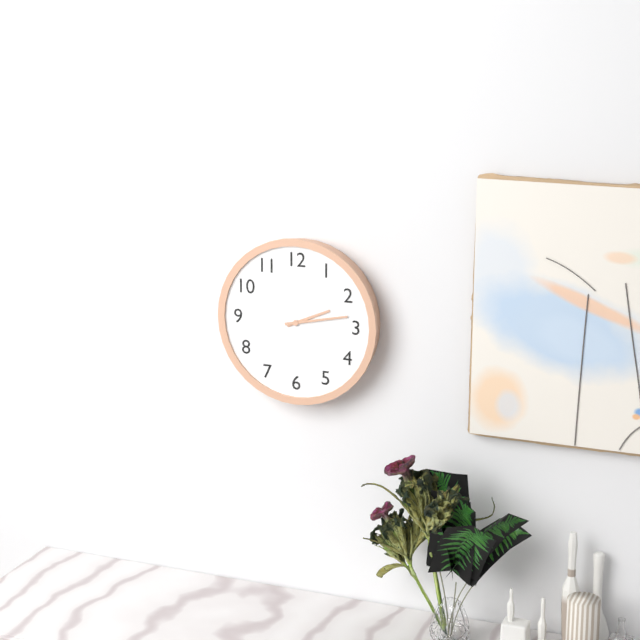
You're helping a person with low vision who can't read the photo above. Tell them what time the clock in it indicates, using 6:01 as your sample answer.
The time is 2:13
